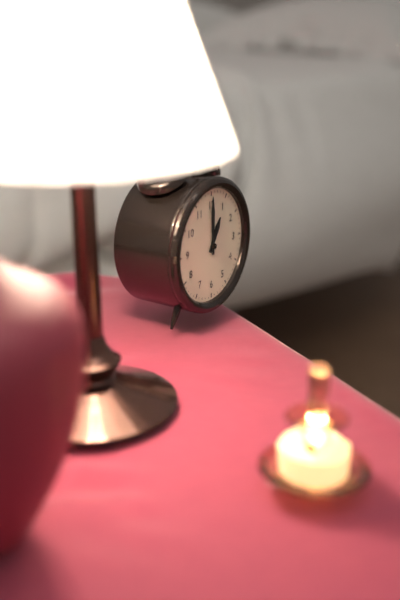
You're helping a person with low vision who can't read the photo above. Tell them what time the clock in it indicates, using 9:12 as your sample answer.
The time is 1:00
